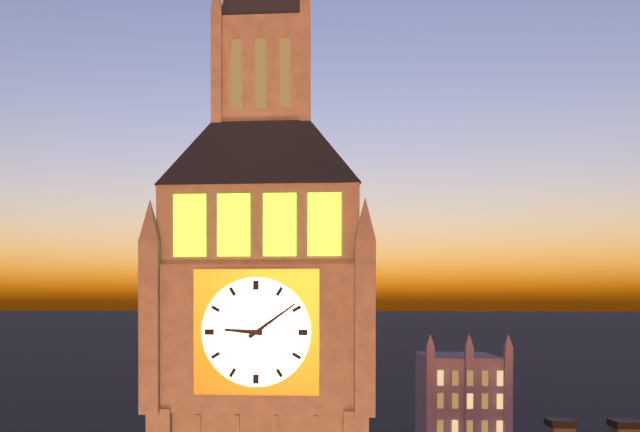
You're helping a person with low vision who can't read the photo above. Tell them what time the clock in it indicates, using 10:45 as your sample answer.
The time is 9:09
